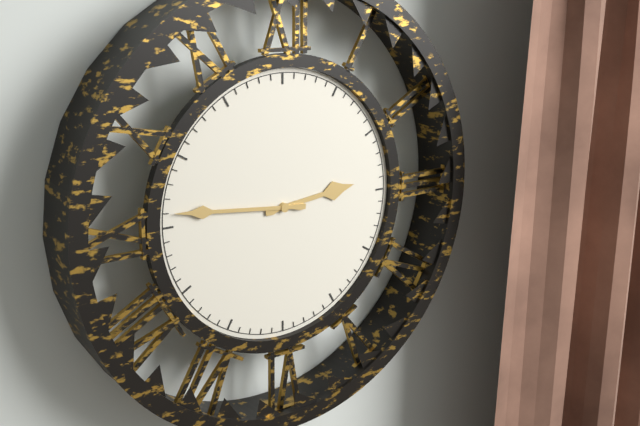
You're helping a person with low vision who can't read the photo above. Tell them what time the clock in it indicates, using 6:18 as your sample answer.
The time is 2:46
